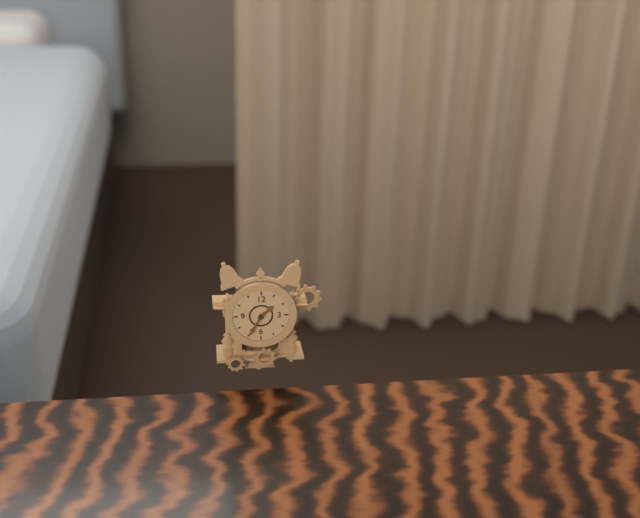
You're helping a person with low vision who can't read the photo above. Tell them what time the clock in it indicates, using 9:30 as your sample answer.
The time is 1:35
